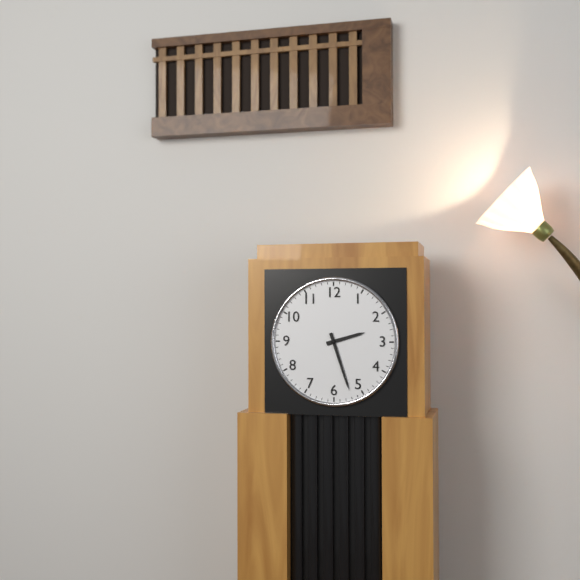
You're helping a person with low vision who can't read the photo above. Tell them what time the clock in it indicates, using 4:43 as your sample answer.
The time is 2:27
